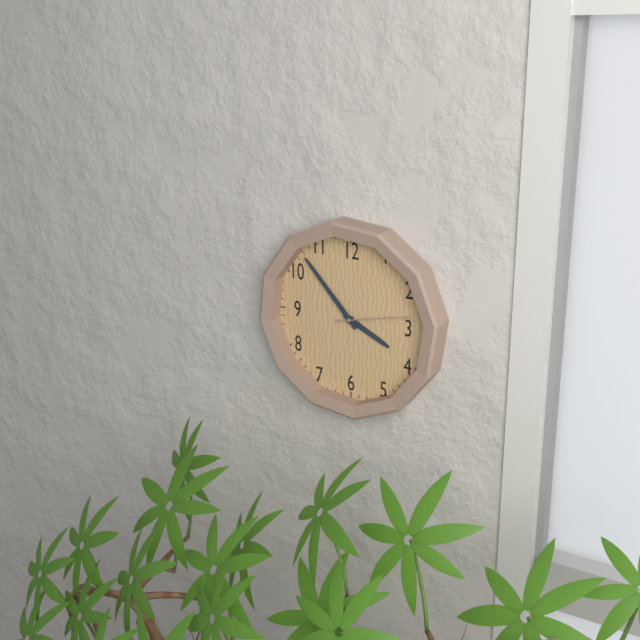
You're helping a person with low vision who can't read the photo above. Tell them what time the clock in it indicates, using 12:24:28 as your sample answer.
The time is 3:53:13
